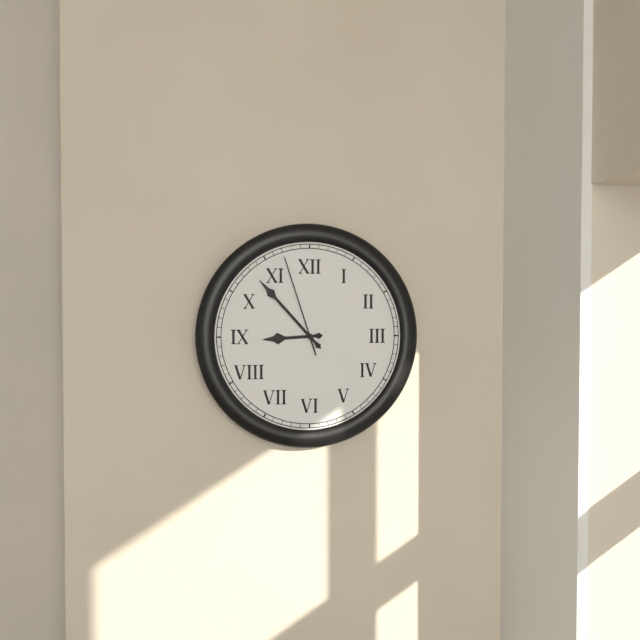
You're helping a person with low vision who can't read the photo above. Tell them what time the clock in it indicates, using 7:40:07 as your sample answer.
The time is 8:53:57
